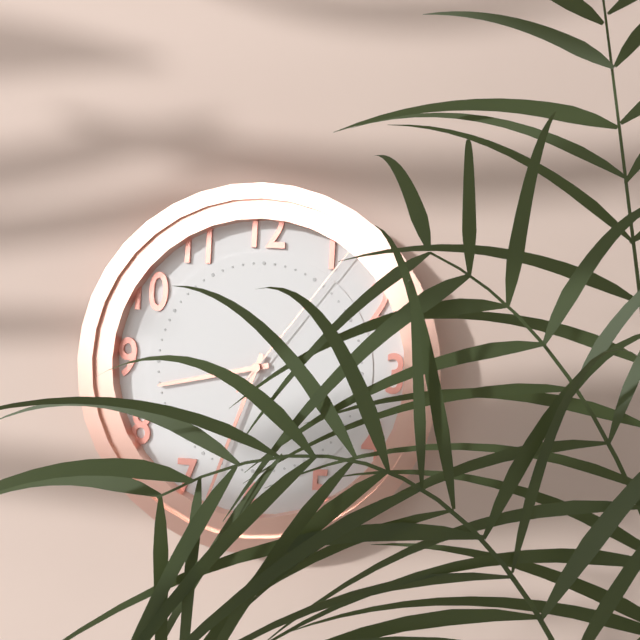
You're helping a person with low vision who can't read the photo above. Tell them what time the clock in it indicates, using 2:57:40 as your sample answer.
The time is 8:33:06
